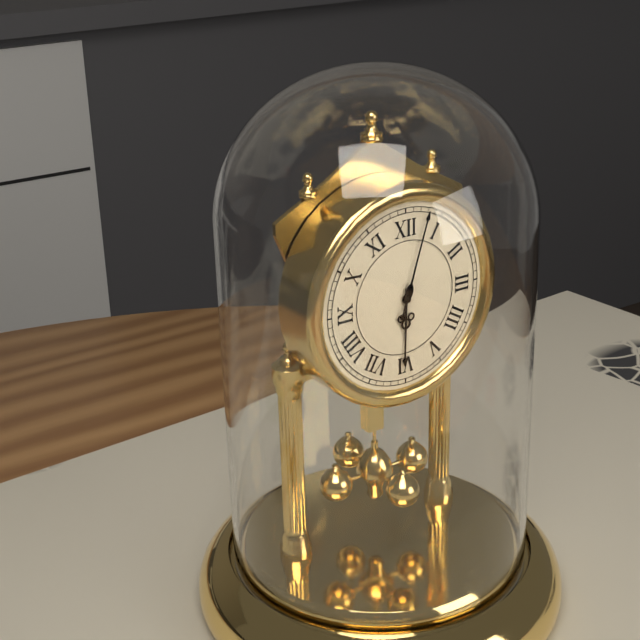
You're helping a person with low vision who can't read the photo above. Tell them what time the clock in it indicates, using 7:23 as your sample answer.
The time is 6:03
